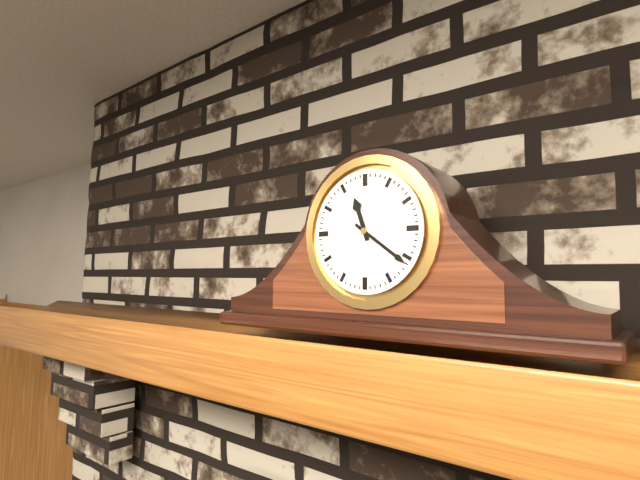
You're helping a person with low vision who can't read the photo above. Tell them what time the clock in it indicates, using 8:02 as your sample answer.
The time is 11:21
